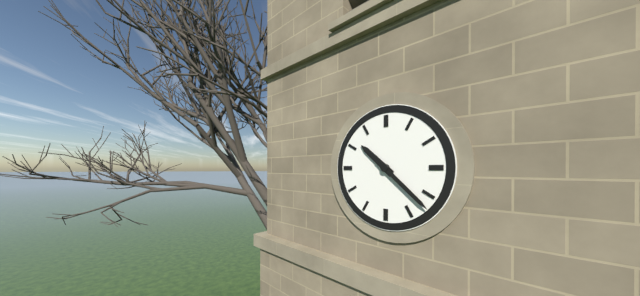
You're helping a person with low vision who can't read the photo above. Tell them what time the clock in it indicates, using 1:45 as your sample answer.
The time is 10:22
